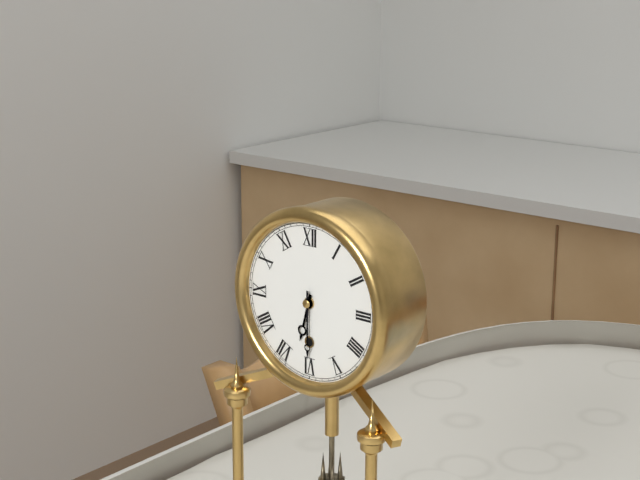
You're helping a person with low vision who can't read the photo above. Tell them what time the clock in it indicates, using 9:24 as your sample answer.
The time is 6:30
